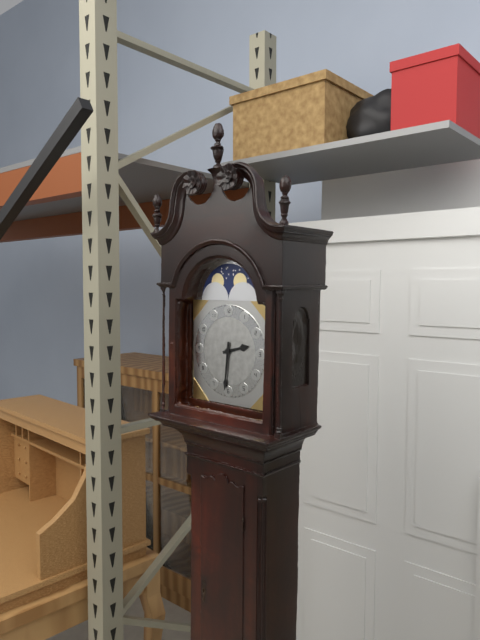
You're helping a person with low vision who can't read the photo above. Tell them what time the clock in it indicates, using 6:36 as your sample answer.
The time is 2:31
